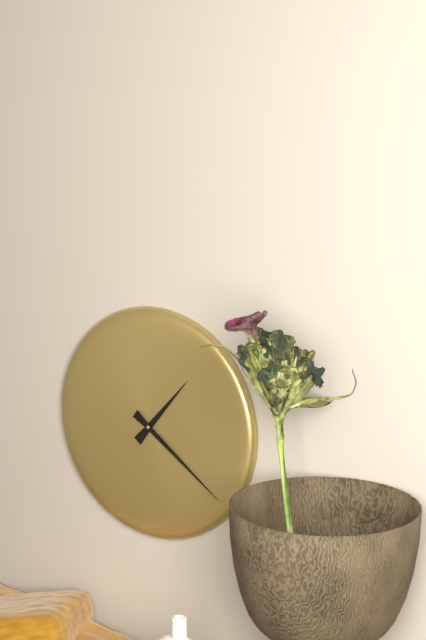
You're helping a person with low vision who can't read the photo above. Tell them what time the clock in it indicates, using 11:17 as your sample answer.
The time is 1:21
